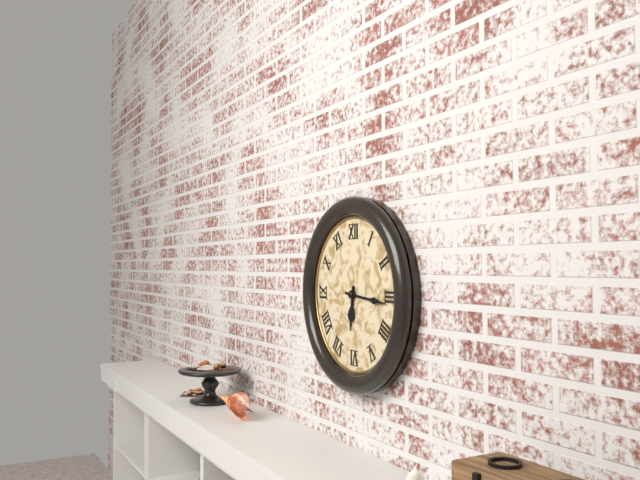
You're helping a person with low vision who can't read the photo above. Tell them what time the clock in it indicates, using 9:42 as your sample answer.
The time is 6:16
